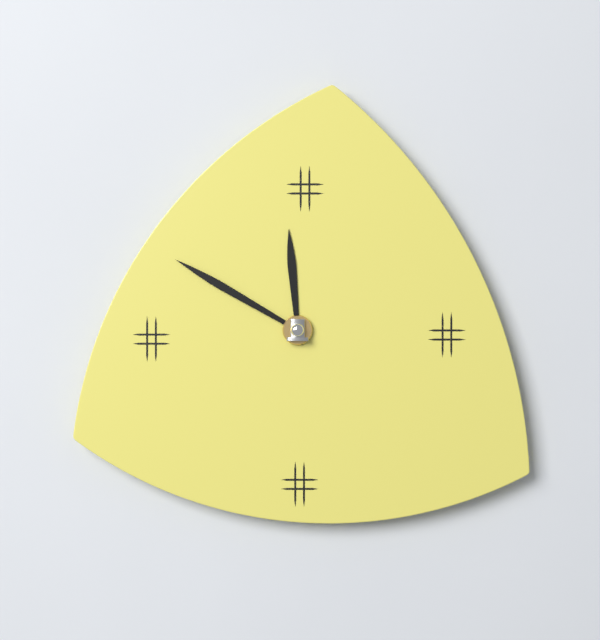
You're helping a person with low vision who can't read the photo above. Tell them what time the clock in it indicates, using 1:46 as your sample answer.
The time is 11:50
